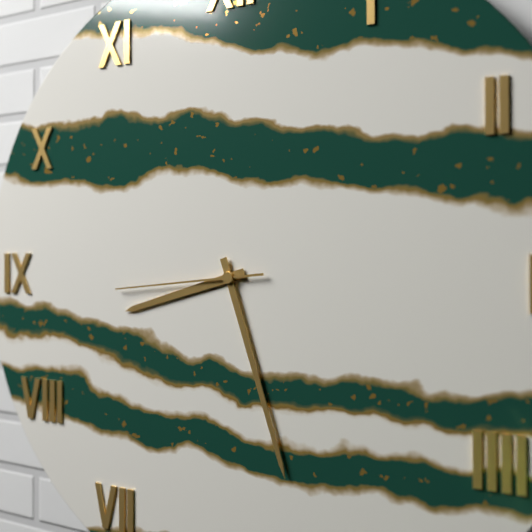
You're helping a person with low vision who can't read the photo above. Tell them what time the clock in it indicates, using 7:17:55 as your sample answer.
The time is 8:27:44
